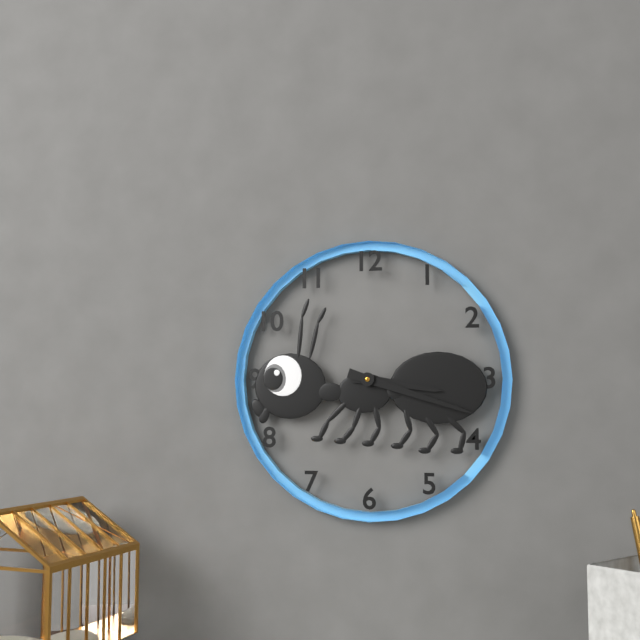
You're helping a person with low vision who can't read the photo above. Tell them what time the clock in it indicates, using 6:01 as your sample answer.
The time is 3:18
